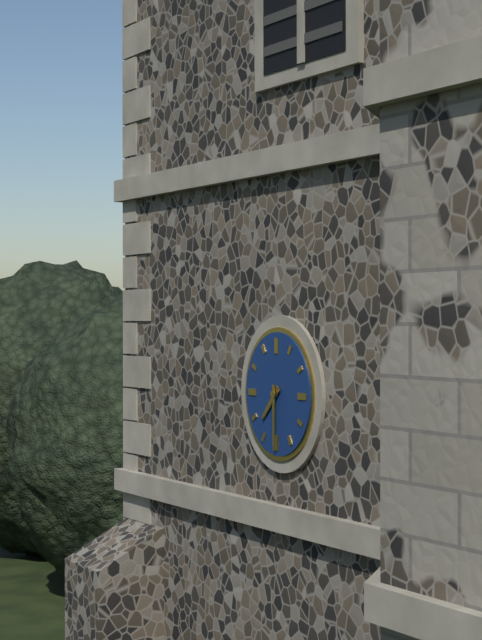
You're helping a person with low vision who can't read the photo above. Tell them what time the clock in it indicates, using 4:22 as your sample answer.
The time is 7:30
